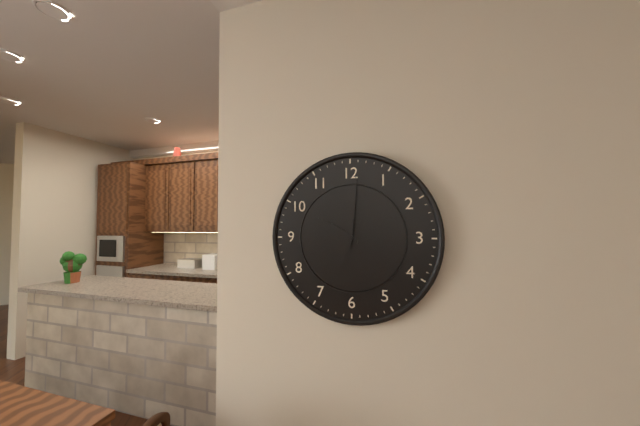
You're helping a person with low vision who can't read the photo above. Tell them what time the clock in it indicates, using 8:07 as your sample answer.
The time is 10:01
